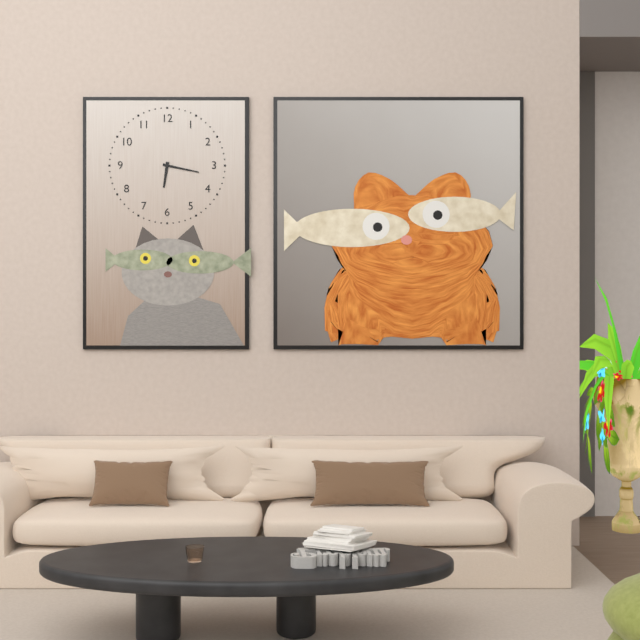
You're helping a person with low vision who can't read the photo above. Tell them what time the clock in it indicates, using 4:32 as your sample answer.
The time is 6:17
